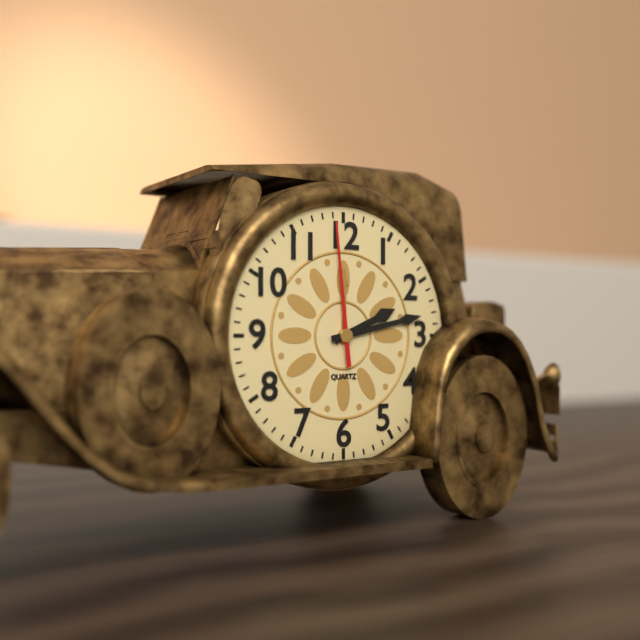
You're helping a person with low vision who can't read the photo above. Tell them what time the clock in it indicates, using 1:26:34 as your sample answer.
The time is 2:13:59
